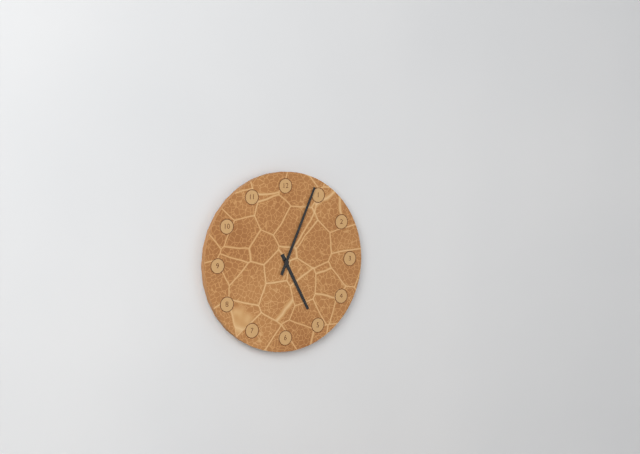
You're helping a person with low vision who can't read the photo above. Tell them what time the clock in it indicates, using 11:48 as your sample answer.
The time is 5:04
